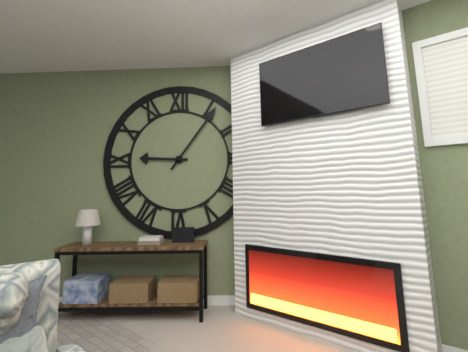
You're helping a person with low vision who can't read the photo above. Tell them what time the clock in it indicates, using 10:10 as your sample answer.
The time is 9:06
